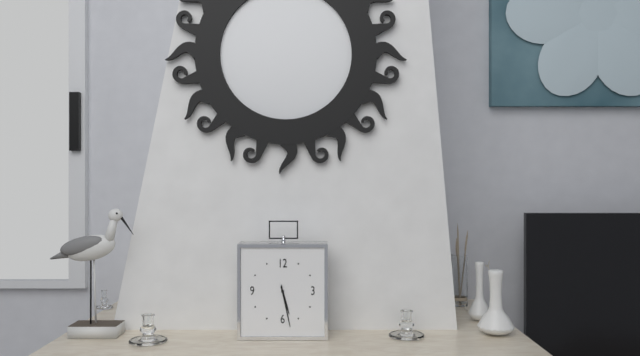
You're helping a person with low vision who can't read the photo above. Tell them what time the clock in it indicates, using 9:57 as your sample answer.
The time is 5:28
